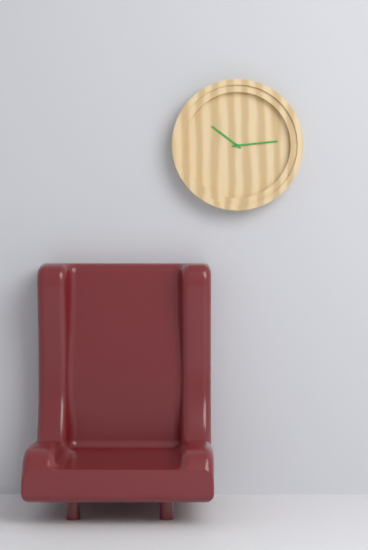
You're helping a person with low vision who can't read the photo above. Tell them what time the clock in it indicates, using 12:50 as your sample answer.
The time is 10:14
